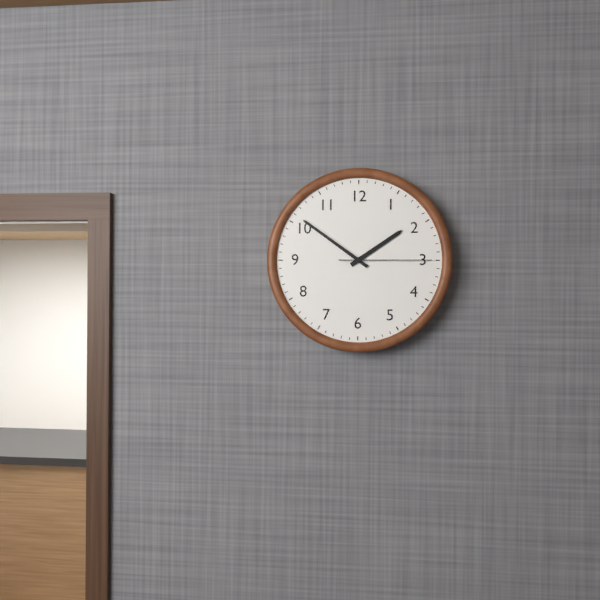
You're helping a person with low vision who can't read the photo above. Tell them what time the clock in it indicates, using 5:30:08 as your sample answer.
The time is 1:51:15
